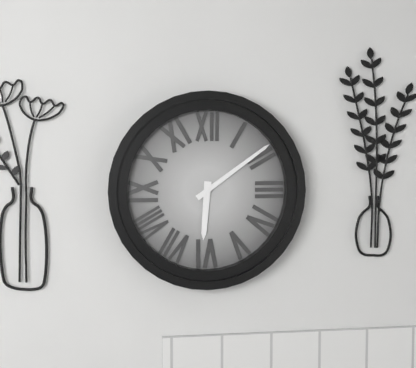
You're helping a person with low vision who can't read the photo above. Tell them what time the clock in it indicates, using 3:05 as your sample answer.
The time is 6:09
